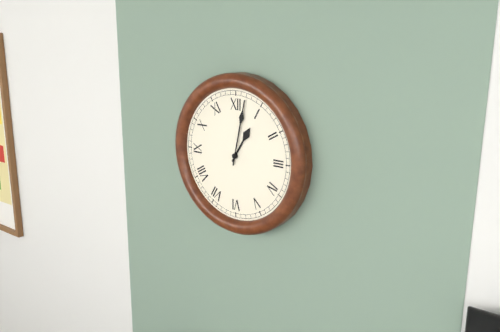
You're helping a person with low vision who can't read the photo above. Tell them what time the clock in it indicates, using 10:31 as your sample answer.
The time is 1:02
